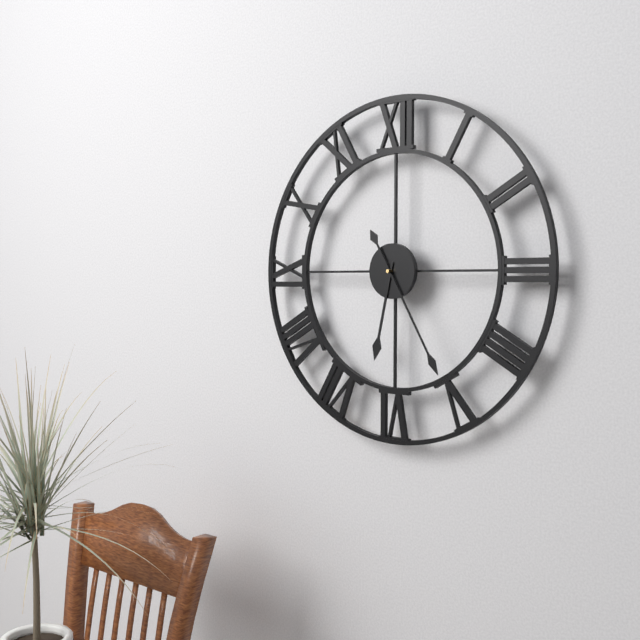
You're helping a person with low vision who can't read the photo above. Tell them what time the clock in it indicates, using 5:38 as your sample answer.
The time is 6:25
